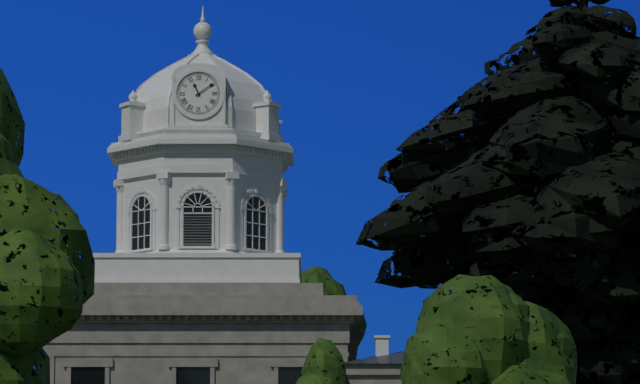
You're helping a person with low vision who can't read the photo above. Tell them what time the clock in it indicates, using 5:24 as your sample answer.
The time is 11:09
